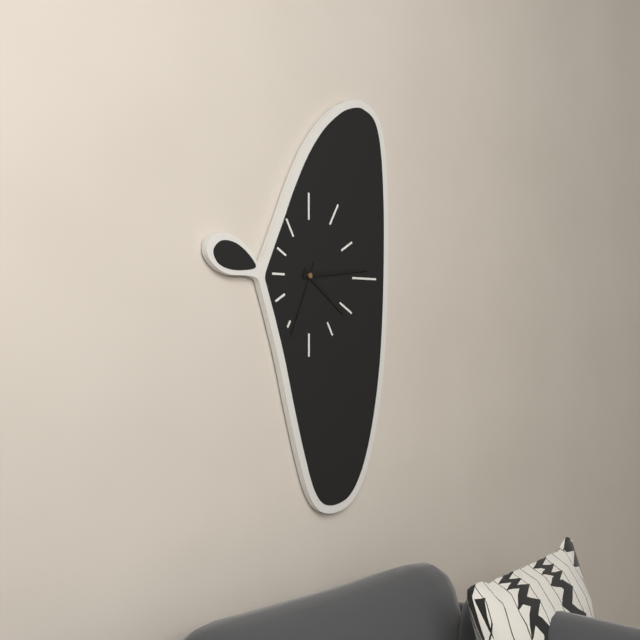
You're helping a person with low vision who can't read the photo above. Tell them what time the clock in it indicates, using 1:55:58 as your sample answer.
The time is 4:14:34
